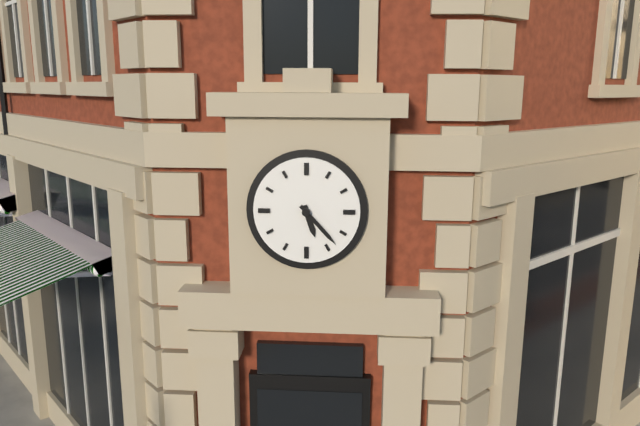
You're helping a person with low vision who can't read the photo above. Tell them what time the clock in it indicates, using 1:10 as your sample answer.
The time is 5:23
